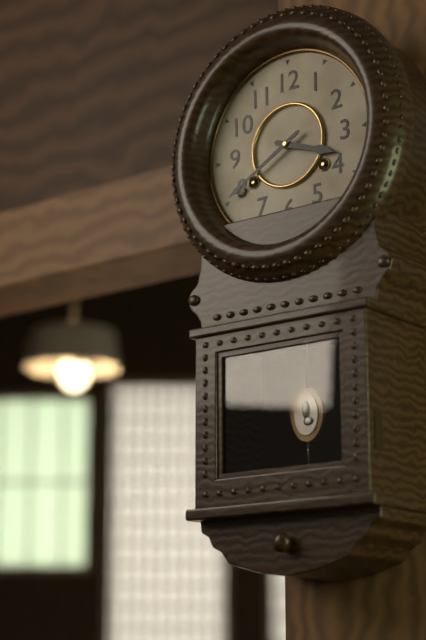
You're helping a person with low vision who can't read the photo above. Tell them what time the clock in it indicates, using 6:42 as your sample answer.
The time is 3:40
